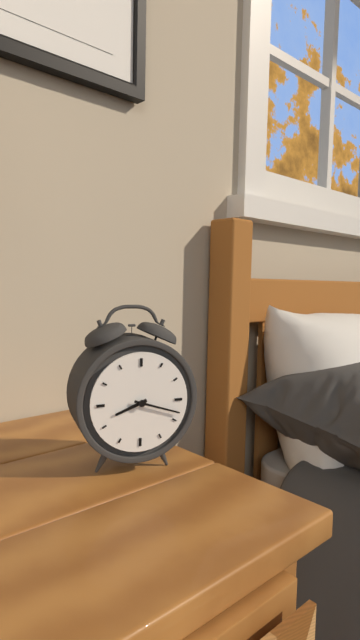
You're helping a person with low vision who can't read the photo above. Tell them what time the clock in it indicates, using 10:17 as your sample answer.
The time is 8:18
